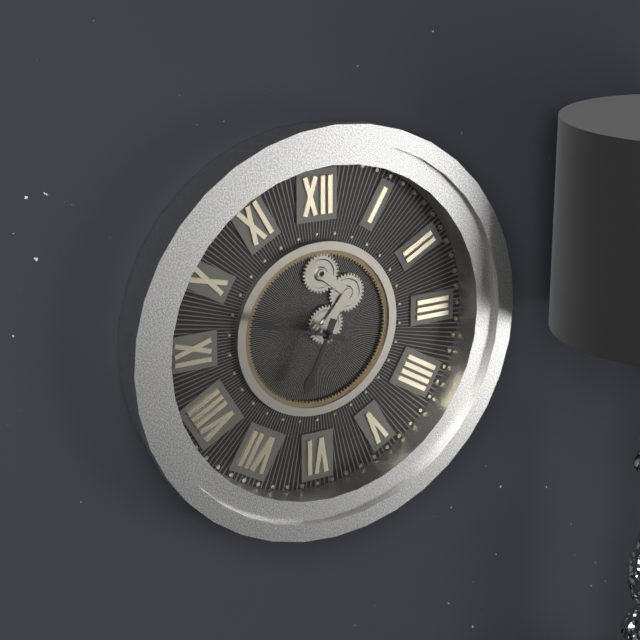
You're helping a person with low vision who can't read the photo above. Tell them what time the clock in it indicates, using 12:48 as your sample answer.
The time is 6:48
